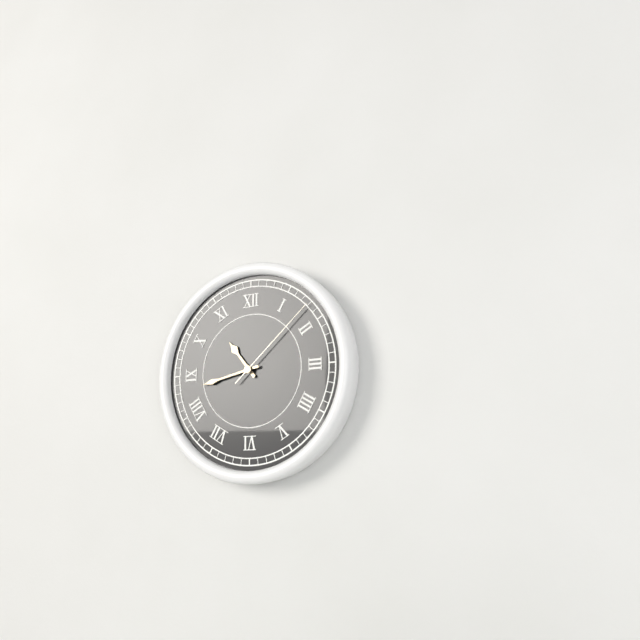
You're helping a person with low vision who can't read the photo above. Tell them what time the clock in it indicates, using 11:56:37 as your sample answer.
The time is 10:43:08
